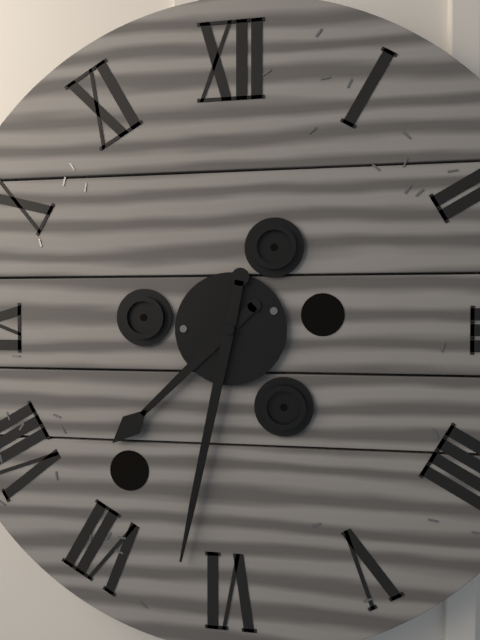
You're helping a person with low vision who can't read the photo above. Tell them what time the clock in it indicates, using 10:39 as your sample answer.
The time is 7:32
